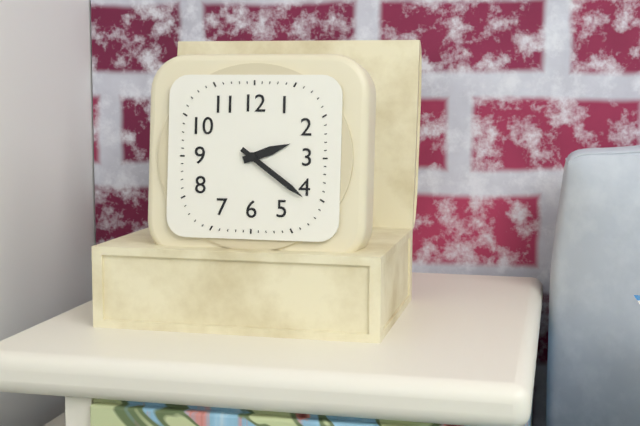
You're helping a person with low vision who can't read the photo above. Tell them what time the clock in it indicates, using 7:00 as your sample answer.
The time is 2:21
